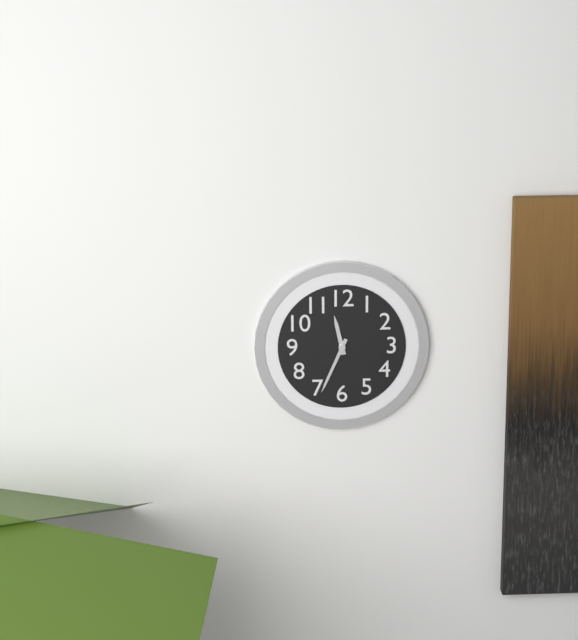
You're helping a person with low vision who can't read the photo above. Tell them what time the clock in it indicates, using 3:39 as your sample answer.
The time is 11:34
